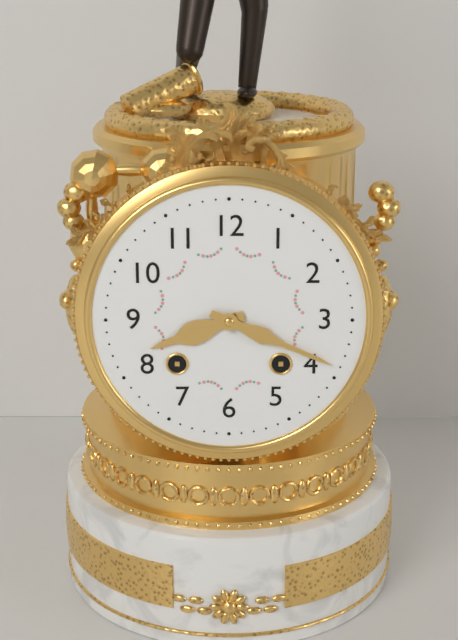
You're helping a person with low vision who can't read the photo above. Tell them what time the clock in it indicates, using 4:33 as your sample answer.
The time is 8:19
